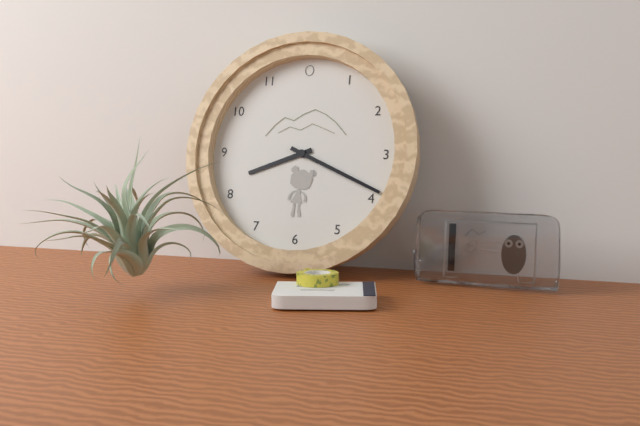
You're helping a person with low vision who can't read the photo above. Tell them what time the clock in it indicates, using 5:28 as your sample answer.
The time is 8:19
